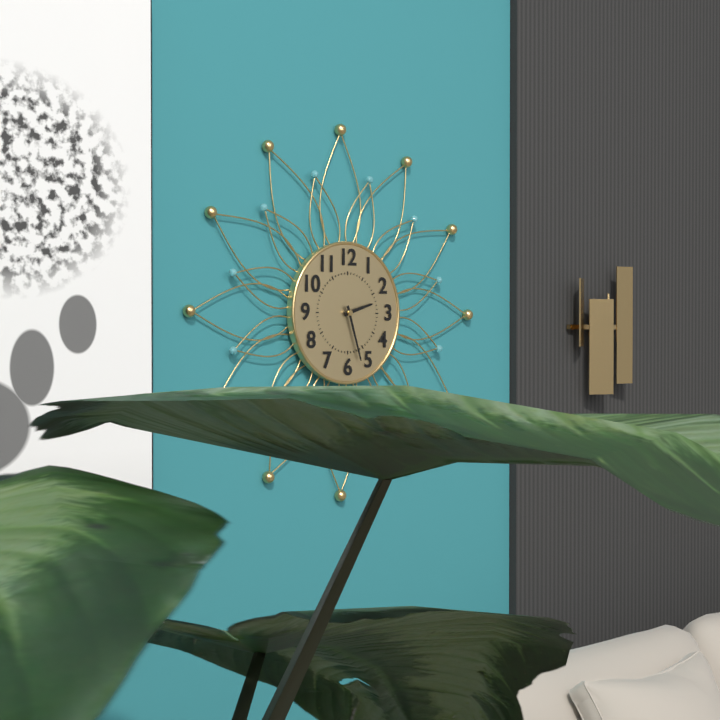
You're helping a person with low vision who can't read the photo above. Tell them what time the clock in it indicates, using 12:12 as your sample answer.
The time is 2:27
